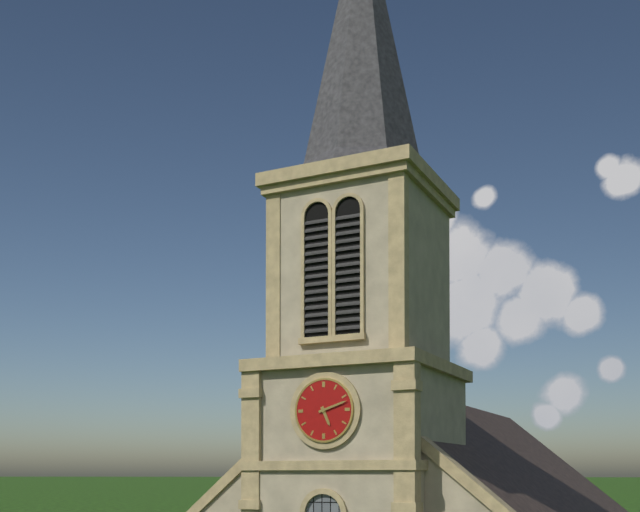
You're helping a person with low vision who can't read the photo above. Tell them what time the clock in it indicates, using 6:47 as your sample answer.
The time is 5:12
